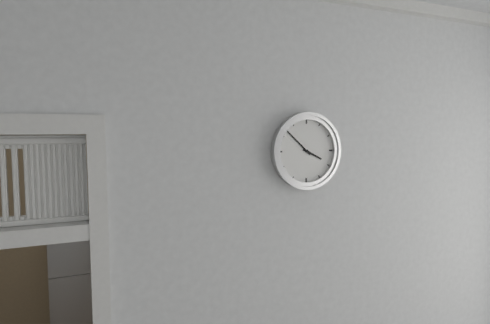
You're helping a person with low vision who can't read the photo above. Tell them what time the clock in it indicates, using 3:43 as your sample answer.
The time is 3:52
